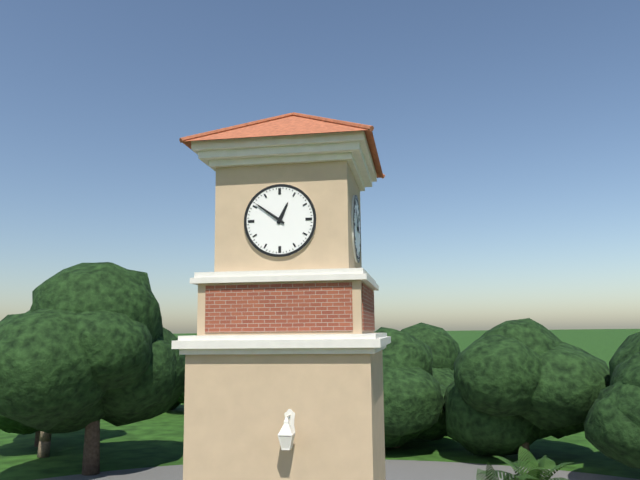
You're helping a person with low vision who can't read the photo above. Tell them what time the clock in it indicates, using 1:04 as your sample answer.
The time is 12:51
